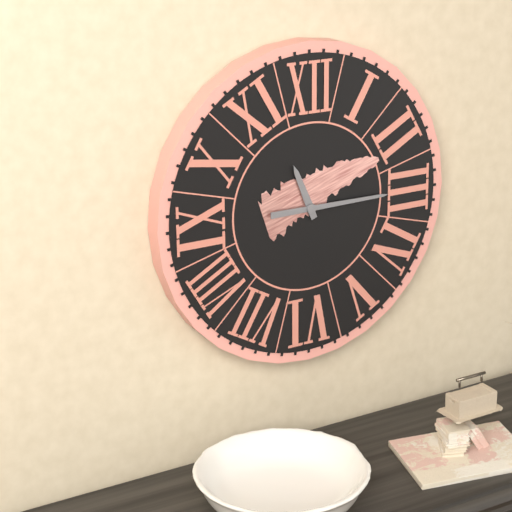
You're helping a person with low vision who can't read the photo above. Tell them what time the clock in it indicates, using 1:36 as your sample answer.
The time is 11:15
